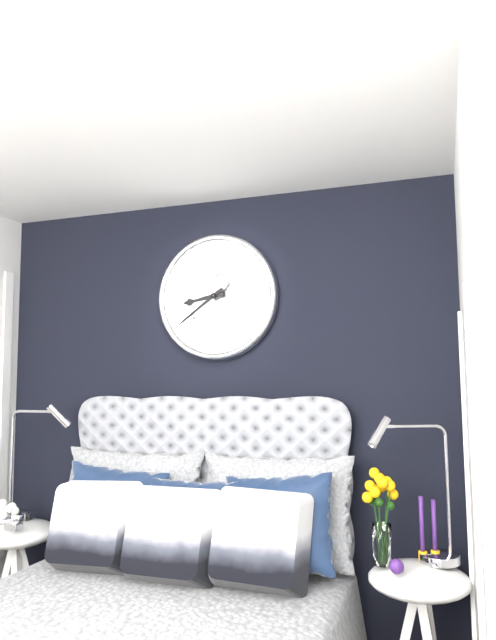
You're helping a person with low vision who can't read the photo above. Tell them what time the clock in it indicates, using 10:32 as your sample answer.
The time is 8:39
